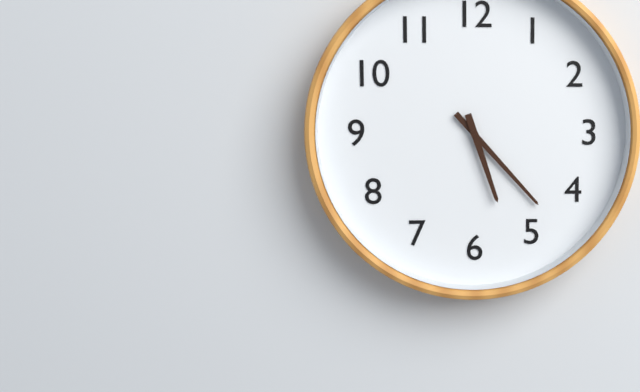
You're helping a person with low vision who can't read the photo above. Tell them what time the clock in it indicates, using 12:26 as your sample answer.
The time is 5:23
